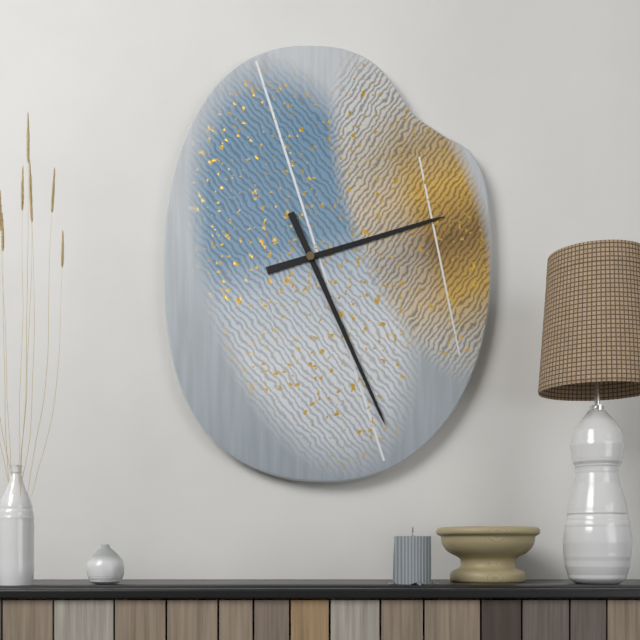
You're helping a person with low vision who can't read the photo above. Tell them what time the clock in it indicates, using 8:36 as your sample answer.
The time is 2:26
